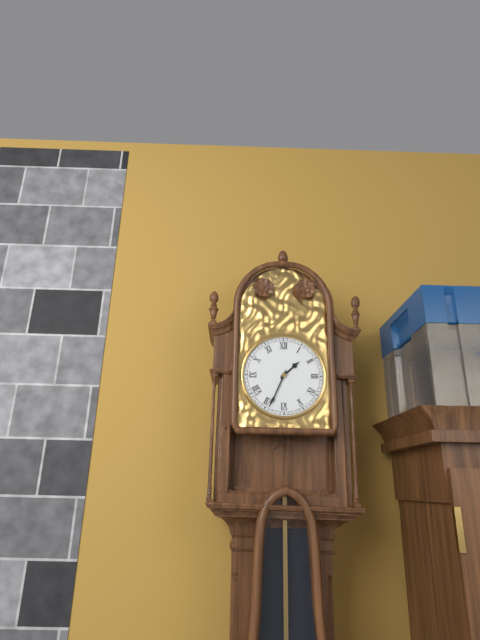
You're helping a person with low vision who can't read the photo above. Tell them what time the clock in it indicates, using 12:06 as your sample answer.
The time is 1:34
